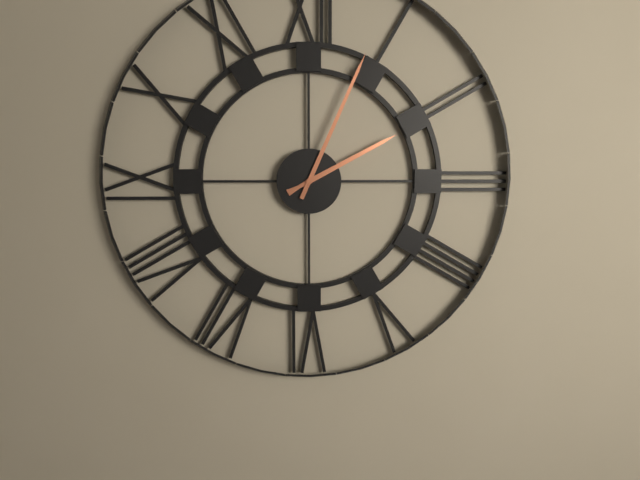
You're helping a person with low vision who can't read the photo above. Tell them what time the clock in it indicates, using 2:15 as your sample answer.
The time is 2:04
